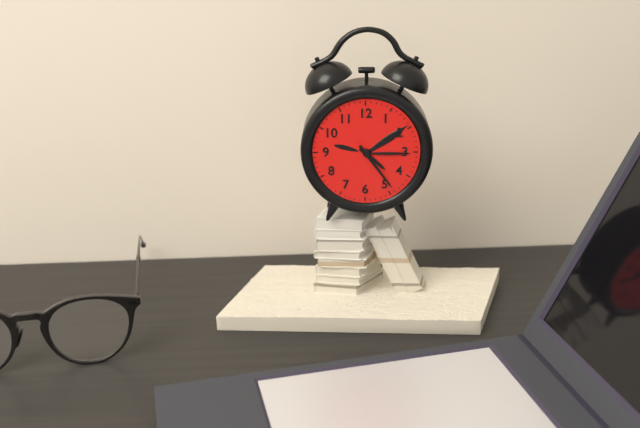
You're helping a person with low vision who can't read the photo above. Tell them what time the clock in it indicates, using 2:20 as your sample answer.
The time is 4:24
